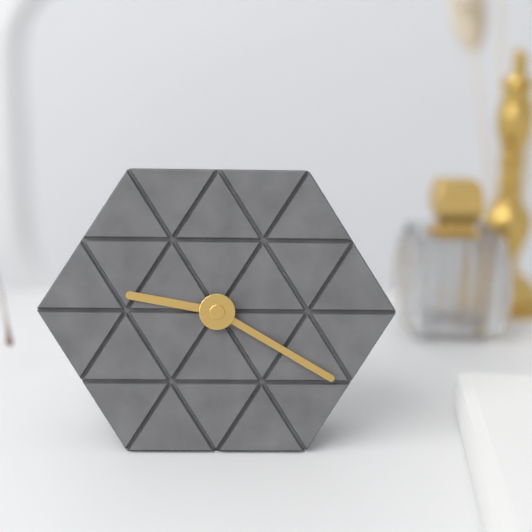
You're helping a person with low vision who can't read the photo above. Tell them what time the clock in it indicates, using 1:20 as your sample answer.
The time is 9:20
